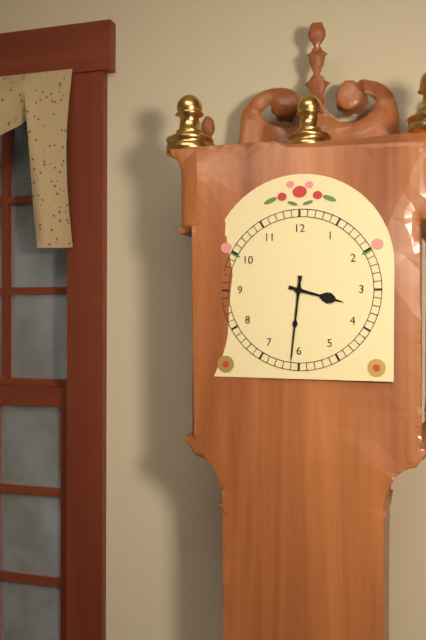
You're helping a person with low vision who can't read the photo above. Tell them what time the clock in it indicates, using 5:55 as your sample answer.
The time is 3:31
